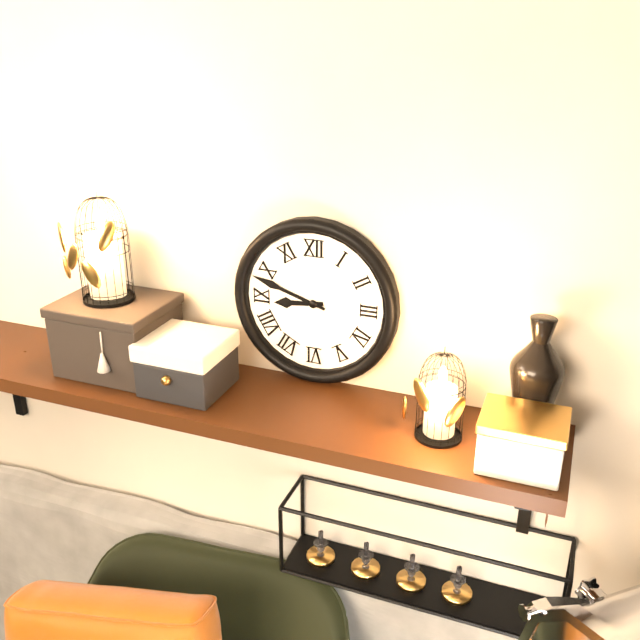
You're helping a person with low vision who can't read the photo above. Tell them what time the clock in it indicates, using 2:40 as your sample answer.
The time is 8:48
